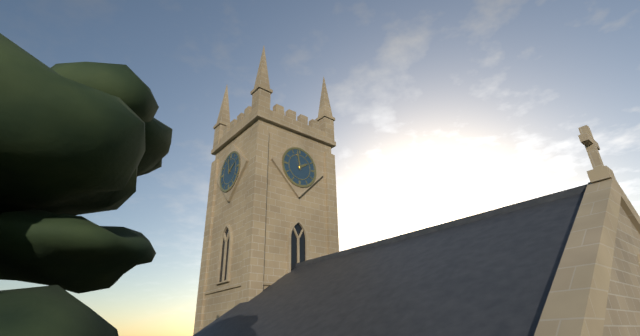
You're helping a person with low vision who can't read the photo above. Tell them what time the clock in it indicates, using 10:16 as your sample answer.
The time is 1:58
